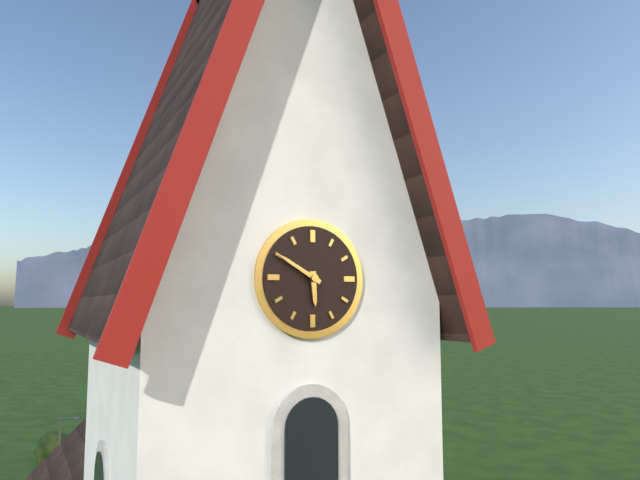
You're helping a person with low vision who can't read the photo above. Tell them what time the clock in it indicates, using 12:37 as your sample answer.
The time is 5:50
